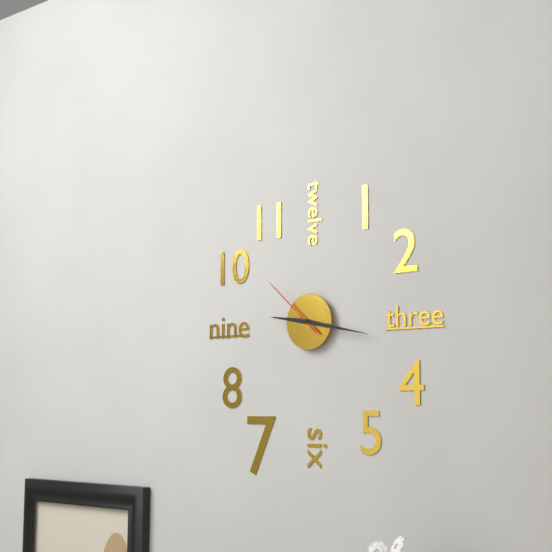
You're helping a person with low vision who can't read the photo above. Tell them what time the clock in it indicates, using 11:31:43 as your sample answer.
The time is 9:17:52
